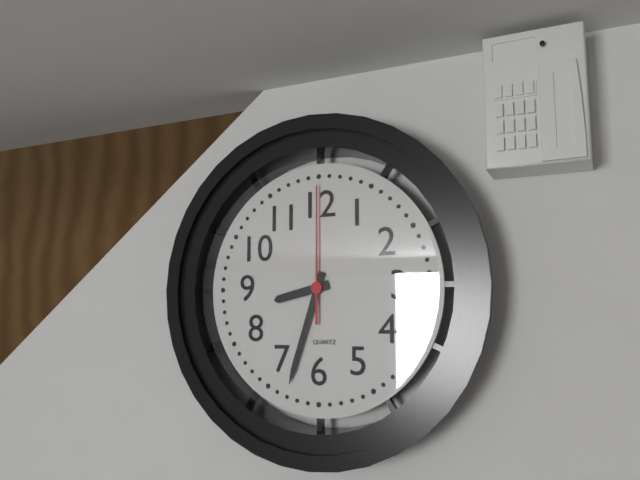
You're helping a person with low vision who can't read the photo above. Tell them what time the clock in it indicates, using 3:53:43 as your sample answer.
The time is 8:33:00
